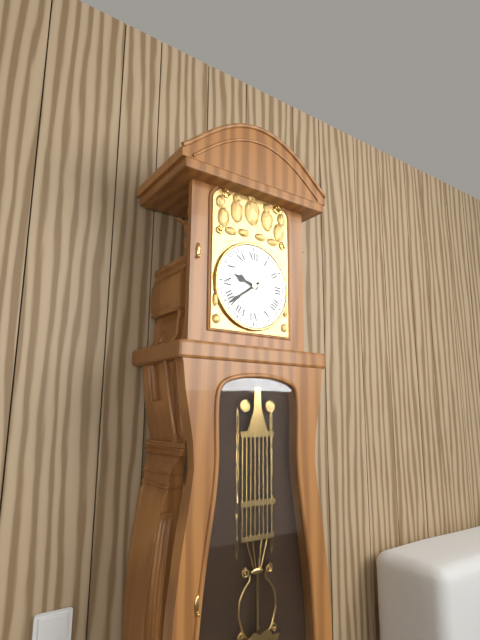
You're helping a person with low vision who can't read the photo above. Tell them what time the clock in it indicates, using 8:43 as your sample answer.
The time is 9:39
